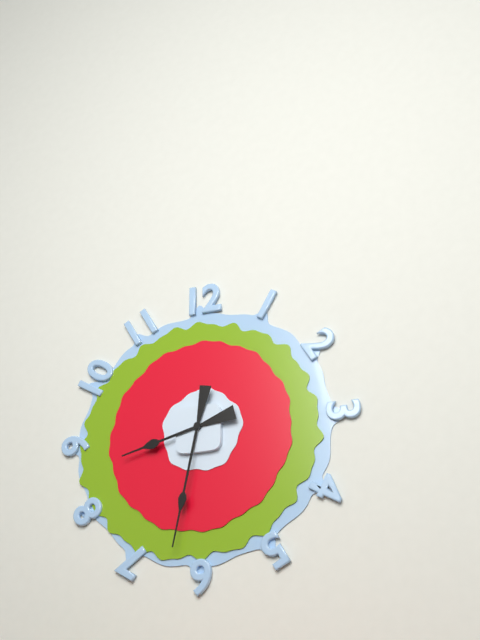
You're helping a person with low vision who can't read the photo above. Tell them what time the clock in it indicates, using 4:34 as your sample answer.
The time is 8:32
